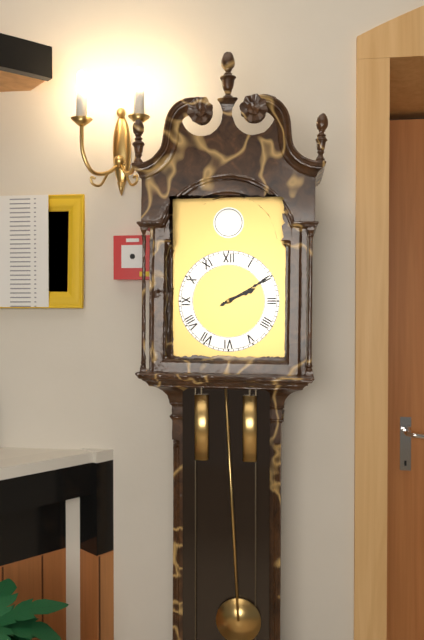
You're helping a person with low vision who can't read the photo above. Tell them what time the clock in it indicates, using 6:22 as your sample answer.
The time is 2:10
